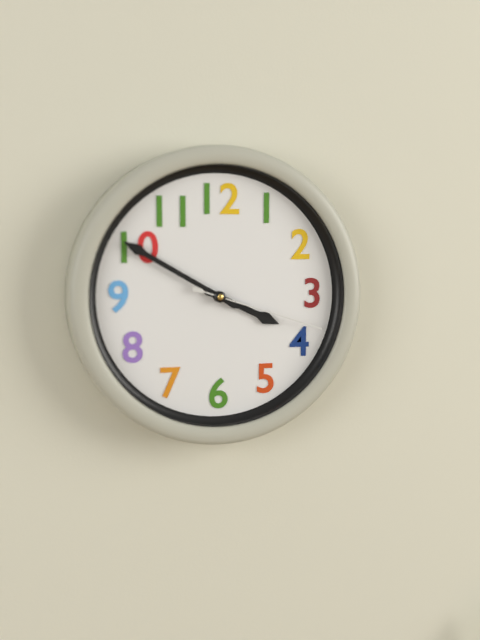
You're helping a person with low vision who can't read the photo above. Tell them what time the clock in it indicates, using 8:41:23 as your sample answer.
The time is 3:50:18
